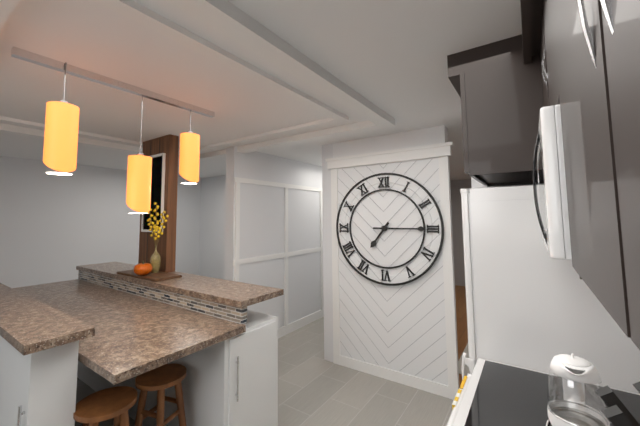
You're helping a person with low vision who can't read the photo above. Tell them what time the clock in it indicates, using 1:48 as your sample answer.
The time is 7:15
